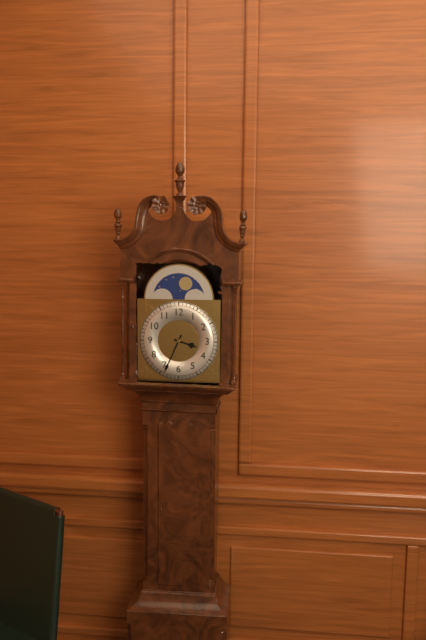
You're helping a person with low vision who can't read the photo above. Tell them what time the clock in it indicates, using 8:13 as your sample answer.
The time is 3:34
